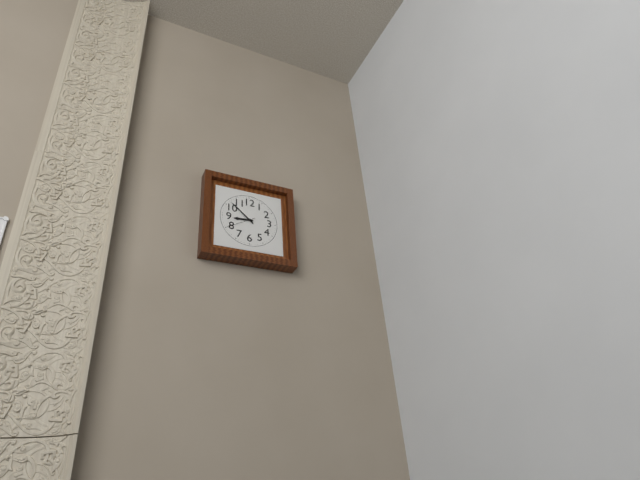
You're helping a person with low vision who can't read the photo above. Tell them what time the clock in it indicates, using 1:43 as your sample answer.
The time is 8:52
